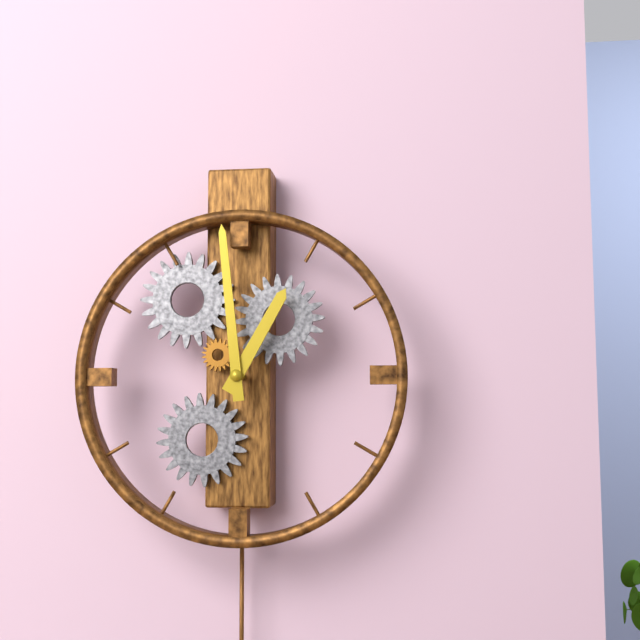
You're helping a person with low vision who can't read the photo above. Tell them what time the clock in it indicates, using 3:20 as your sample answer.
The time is 12:59
